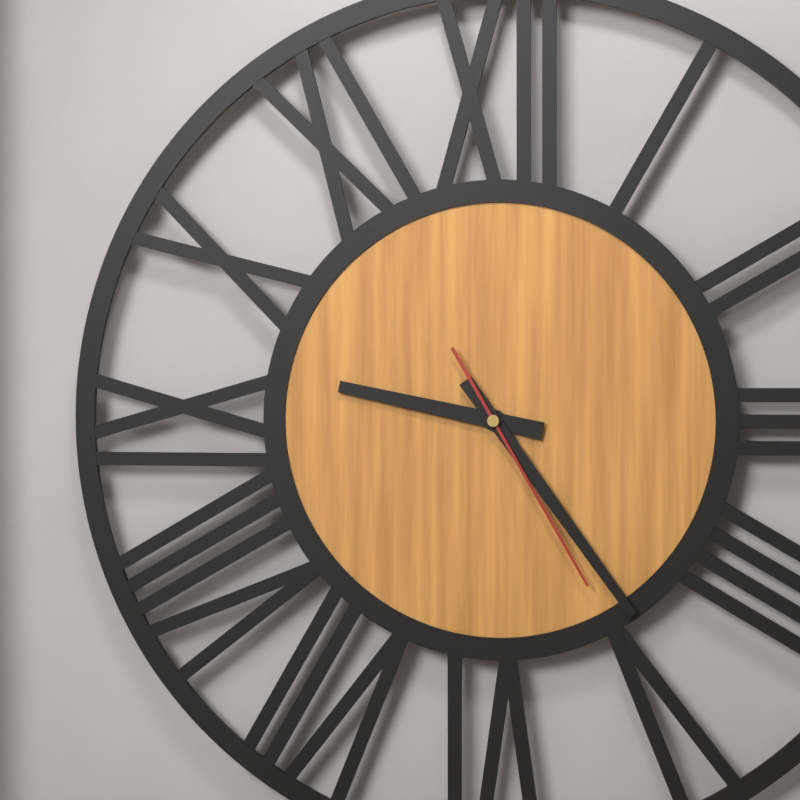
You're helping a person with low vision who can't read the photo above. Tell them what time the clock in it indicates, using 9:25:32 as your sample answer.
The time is 9:24:25
